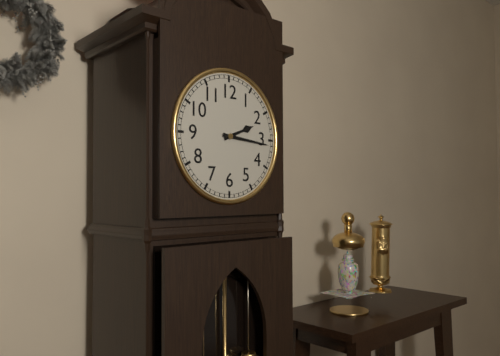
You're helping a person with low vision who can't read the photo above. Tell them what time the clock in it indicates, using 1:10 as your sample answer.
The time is 2:16
